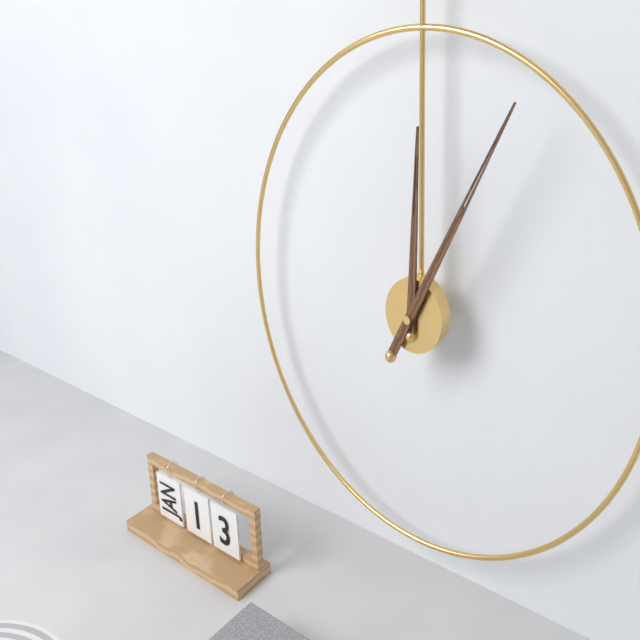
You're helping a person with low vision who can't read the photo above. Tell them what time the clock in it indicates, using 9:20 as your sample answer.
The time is 12:05
